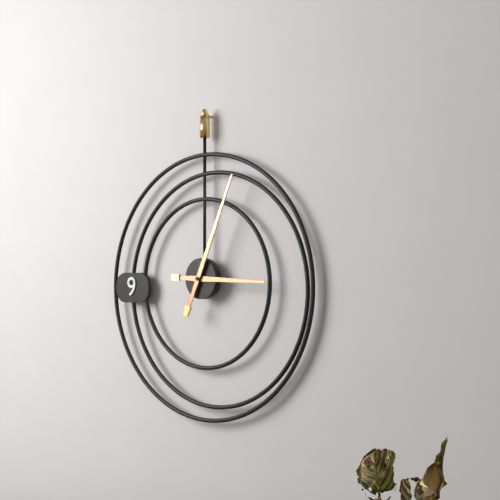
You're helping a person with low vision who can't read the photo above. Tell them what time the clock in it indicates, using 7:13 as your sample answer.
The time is 3:04
